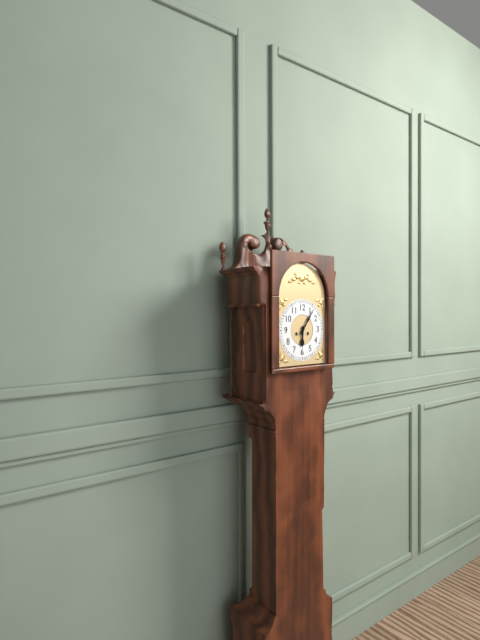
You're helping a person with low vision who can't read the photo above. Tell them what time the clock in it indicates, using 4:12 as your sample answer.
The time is 6:06
